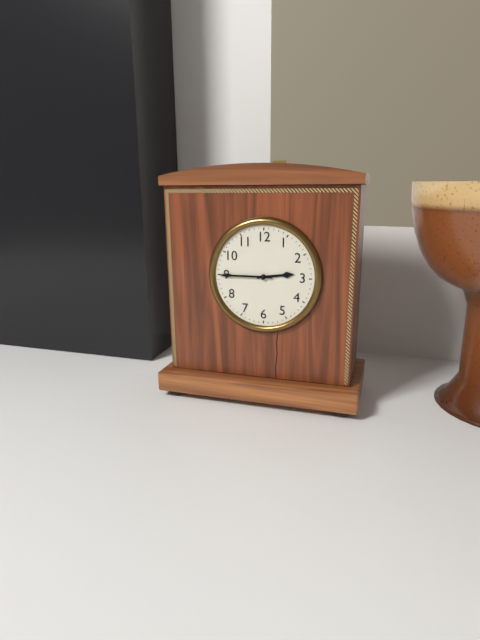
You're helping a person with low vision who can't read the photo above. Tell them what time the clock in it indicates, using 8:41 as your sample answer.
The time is 2:45
